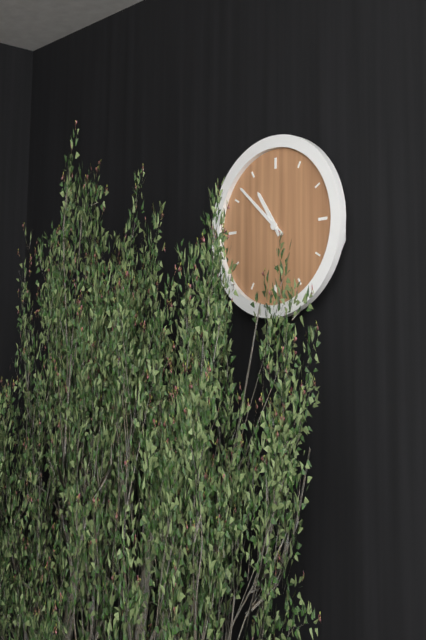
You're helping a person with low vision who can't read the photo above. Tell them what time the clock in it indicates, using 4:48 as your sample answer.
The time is 10:52
